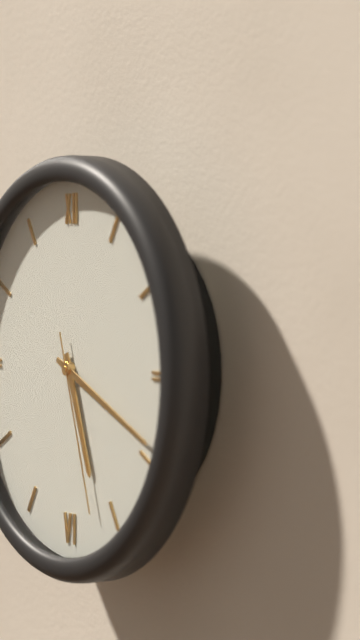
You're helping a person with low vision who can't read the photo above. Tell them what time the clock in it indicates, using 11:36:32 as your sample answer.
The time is 5:19:27
